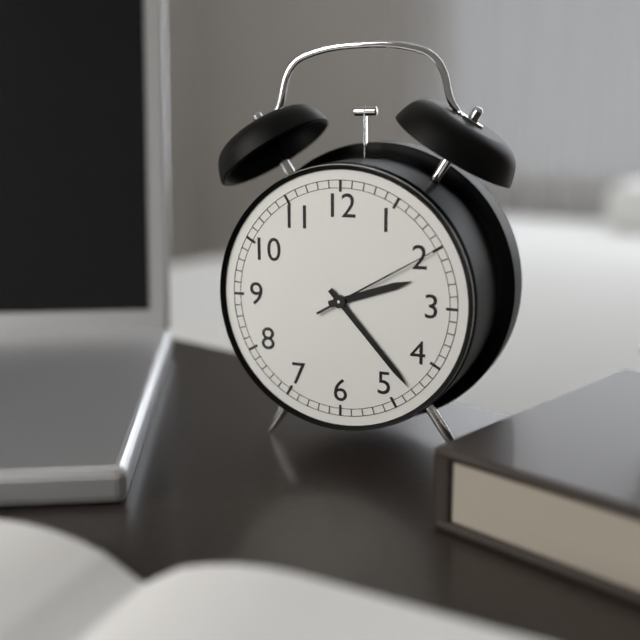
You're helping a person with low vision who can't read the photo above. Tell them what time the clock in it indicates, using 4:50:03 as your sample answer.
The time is 2:23:10
